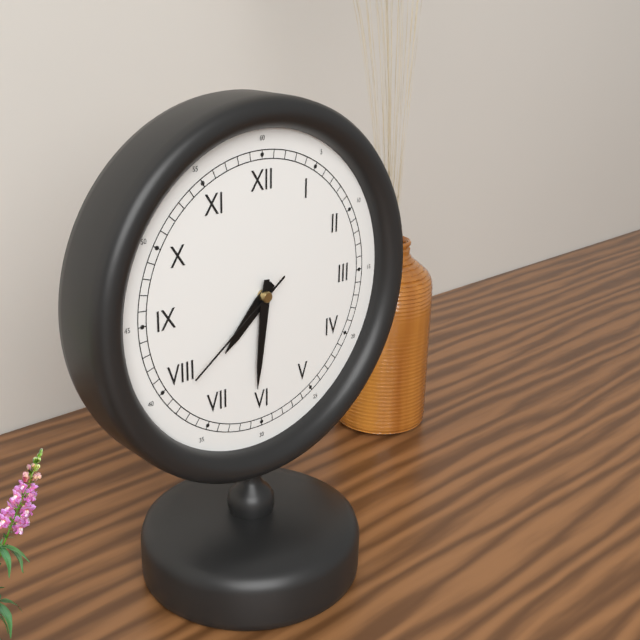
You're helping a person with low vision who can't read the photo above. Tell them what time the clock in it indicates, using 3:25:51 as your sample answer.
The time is 7:31:39
